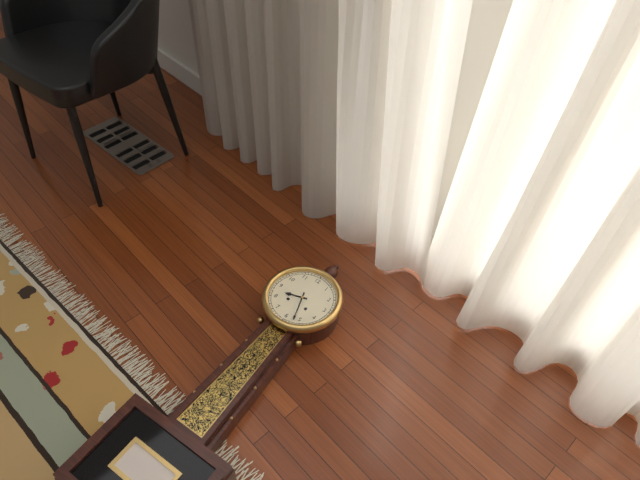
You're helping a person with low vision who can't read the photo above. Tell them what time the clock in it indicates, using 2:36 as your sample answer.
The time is 8:27
